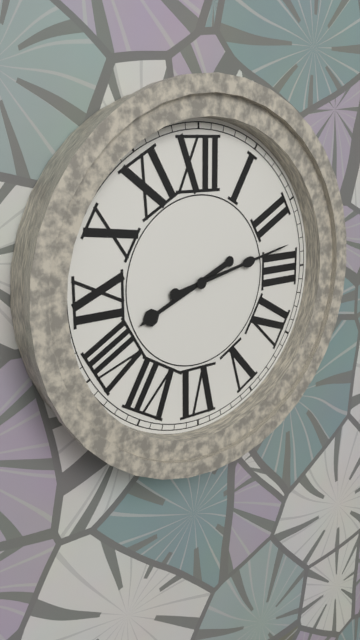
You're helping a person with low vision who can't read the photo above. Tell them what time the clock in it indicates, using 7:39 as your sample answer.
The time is 8:13
